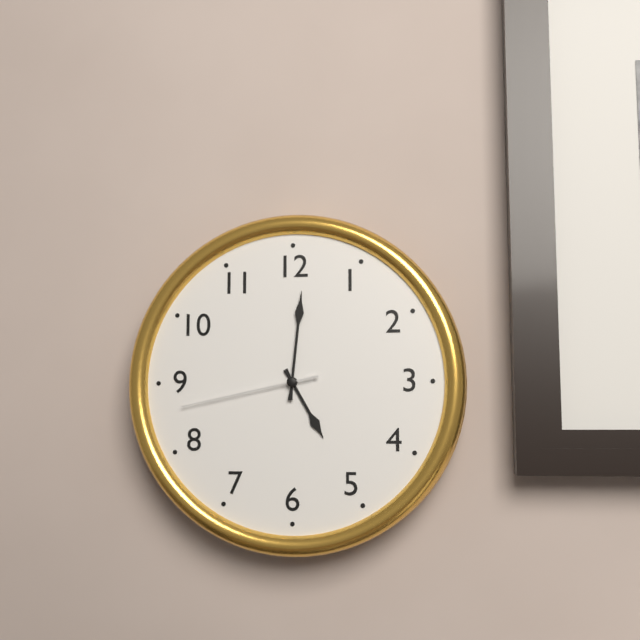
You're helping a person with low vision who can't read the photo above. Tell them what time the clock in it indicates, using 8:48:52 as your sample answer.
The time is 5:01:43
